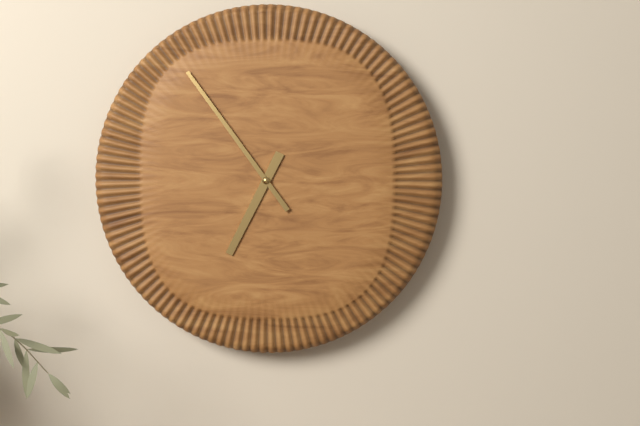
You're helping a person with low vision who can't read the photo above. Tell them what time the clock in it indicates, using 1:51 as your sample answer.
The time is 6:54
